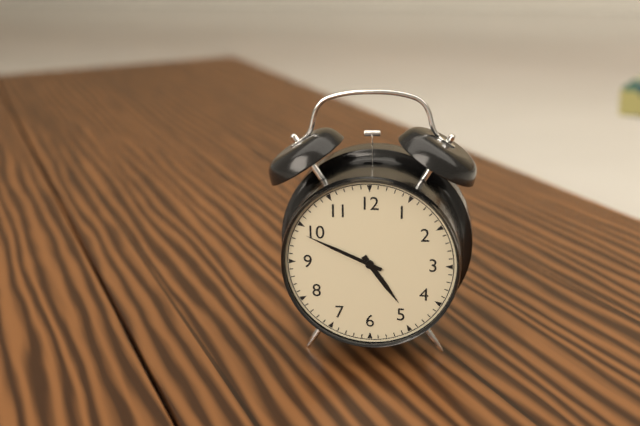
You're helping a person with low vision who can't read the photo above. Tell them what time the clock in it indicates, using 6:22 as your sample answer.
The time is 4:49
